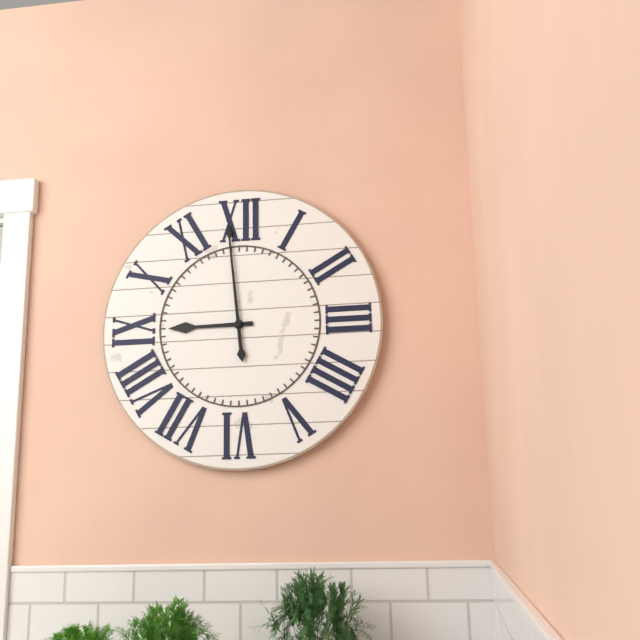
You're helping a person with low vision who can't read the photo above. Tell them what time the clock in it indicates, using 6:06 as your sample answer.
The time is 8:59
